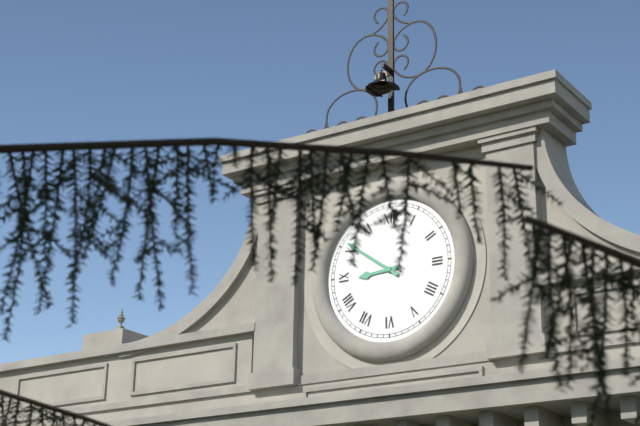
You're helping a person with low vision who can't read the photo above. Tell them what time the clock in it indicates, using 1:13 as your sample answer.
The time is 8:51
